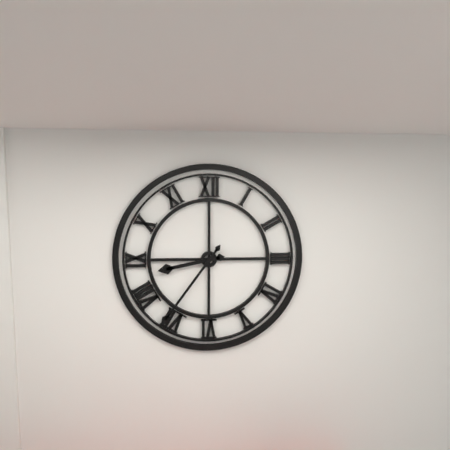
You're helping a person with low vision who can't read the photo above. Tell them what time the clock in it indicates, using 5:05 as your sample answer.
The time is 8:36
